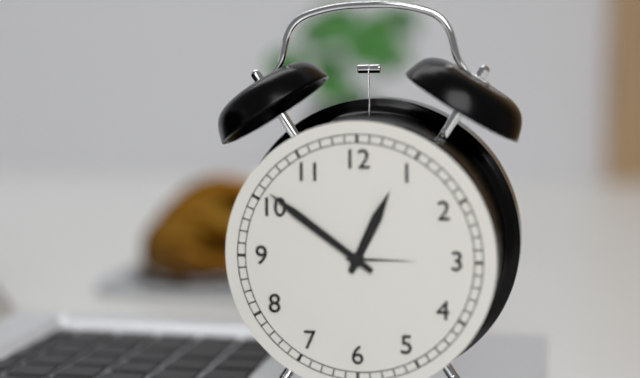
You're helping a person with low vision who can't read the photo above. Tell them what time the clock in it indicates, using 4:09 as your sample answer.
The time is 12:51
